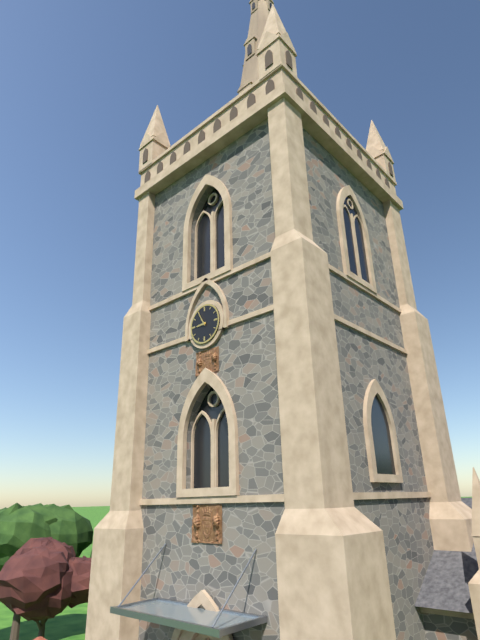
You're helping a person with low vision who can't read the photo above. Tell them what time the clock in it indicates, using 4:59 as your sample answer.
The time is 8:55
